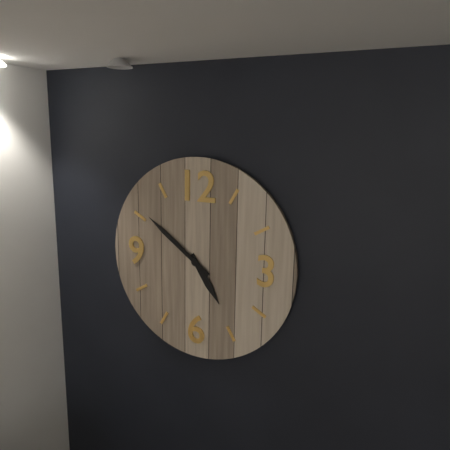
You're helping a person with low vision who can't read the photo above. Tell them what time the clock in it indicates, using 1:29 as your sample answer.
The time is 4:51
